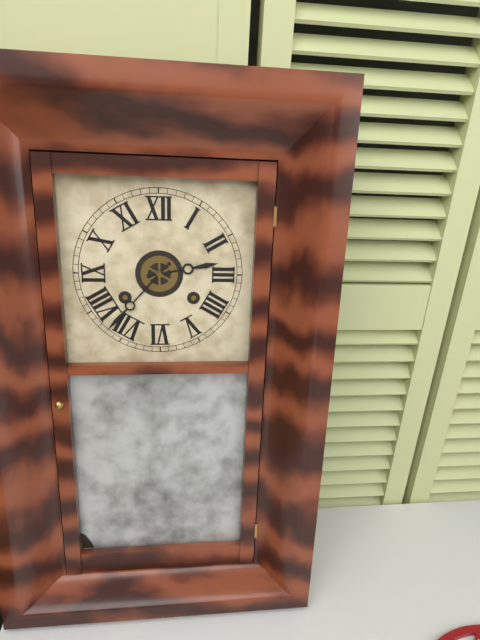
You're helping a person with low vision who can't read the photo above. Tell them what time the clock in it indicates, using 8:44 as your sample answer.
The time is 2:37
